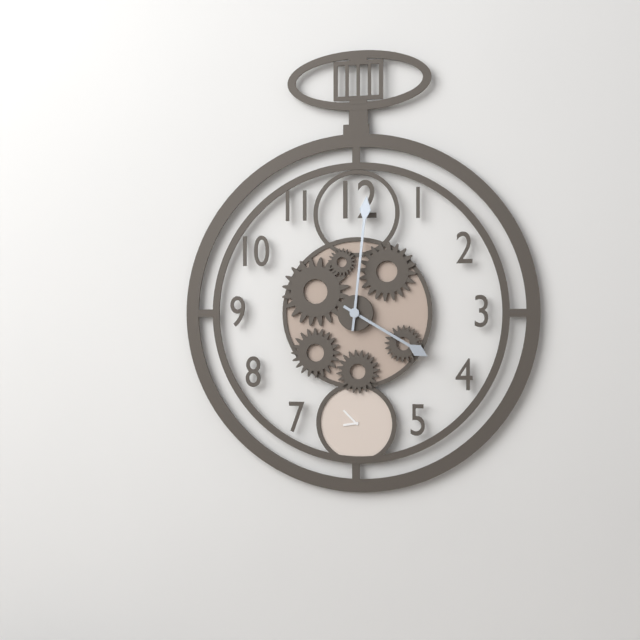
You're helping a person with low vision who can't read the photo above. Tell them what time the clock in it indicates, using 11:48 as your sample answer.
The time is 4:01
